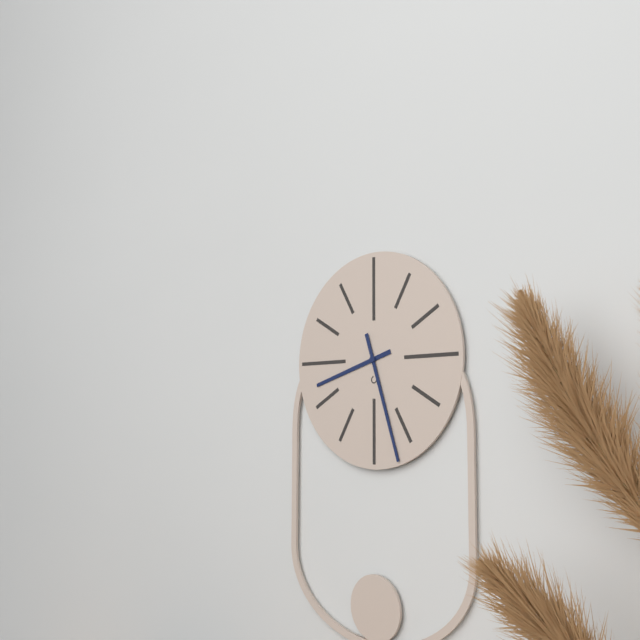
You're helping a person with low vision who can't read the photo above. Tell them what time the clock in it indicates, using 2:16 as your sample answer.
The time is 8:27
